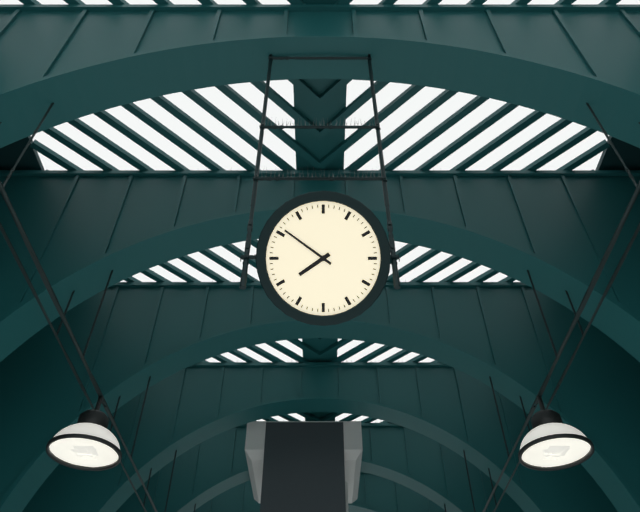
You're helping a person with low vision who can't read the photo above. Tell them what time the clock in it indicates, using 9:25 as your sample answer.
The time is 7:51
